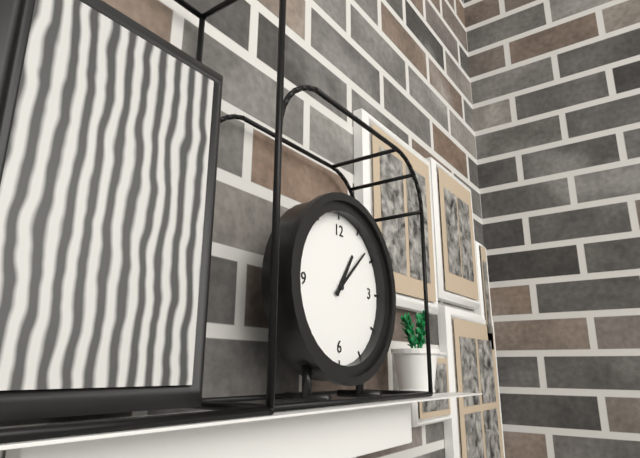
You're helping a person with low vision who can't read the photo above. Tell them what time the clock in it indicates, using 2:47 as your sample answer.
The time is 1:08
